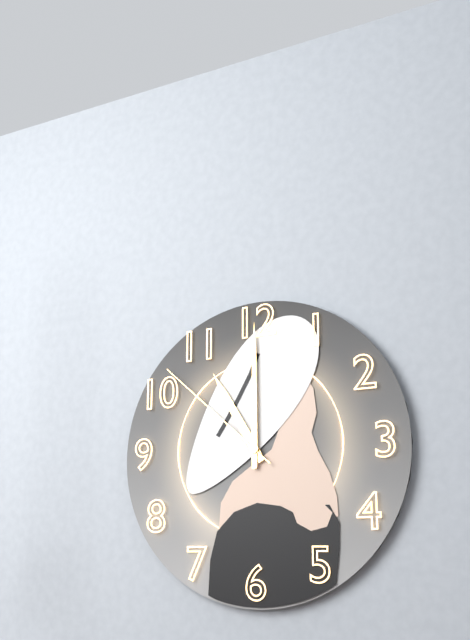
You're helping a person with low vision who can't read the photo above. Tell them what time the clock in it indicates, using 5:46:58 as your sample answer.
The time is 11:00:52
